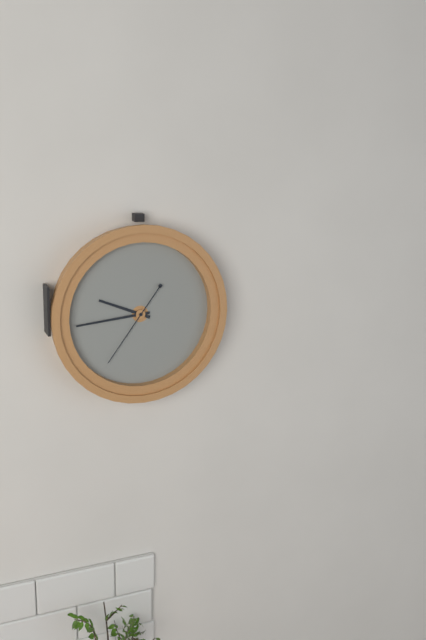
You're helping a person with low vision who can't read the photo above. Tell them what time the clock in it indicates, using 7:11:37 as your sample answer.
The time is 9:44:36
